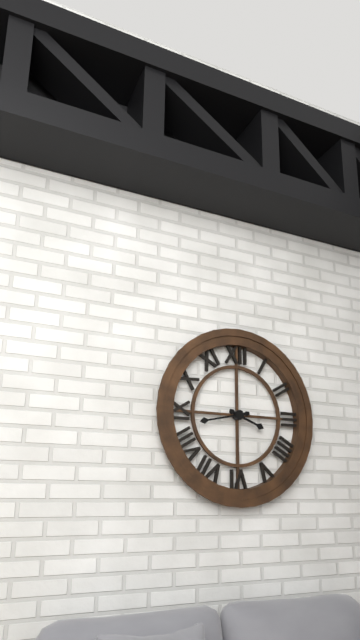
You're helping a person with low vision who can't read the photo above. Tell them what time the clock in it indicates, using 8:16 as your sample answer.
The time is 3:43
